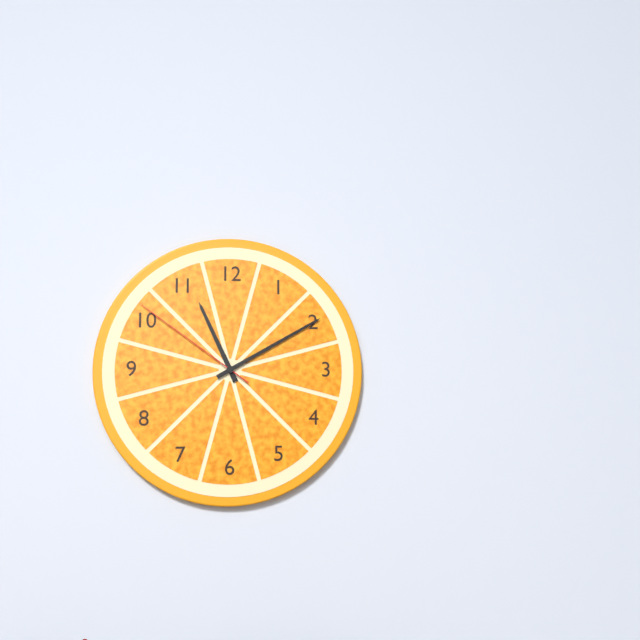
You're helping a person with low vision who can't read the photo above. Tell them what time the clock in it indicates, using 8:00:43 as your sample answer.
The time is 11:10:51
